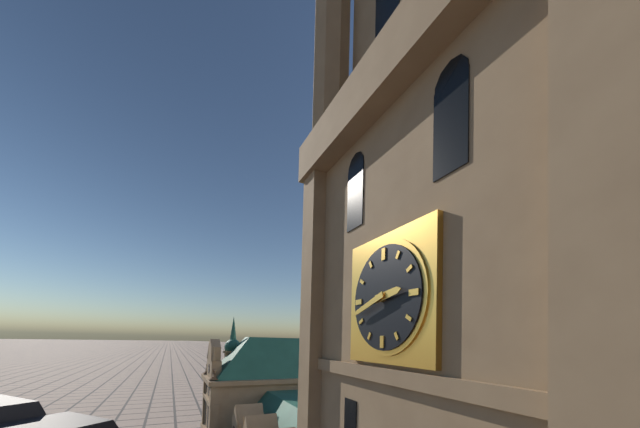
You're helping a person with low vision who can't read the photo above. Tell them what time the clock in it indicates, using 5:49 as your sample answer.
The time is 2:42
